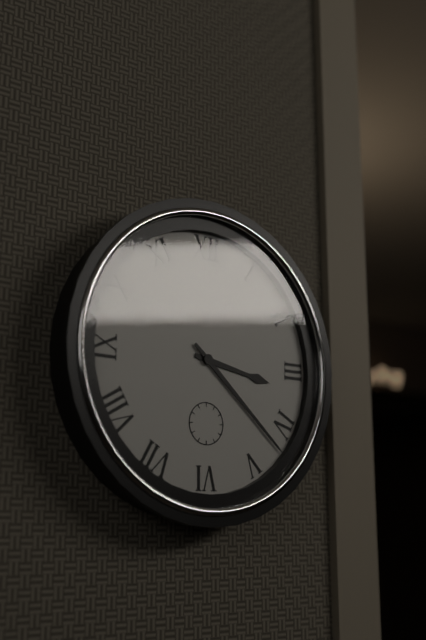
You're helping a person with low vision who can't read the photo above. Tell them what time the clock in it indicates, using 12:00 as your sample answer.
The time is 3:22
